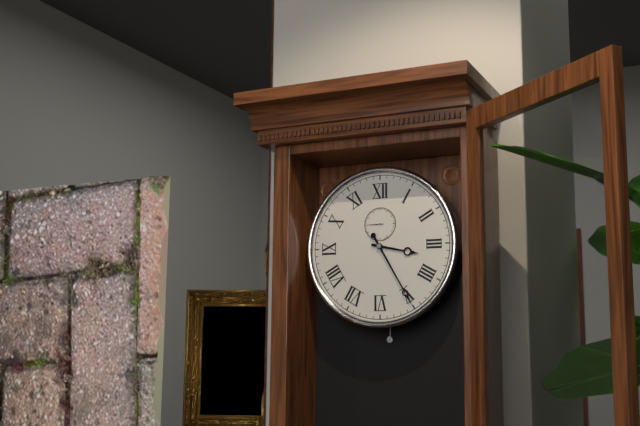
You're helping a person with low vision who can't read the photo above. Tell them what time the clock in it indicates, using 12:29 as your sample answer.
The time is 3:25
